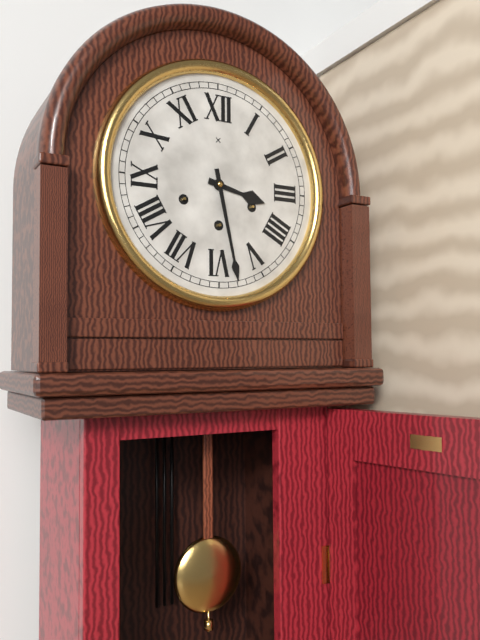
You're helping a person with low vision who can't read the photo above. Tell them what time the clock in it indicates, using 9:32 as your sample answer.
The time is 3:28
